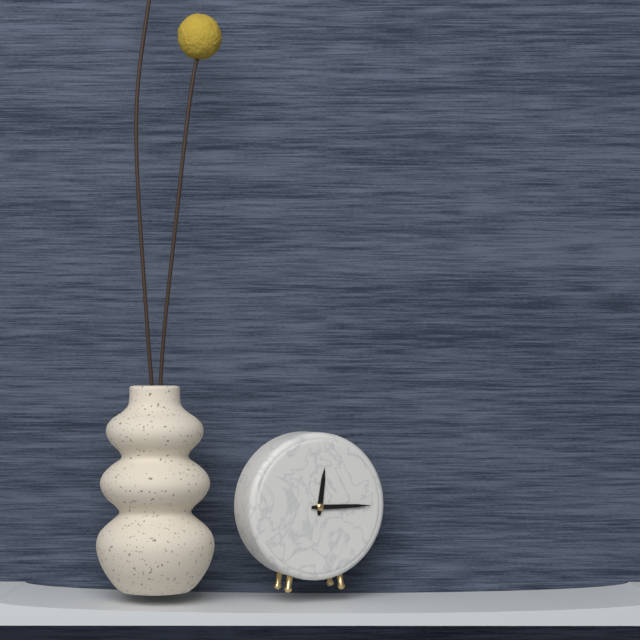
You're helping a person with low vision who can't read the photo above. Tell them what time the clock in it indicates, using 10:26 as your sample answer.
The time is 12:15
